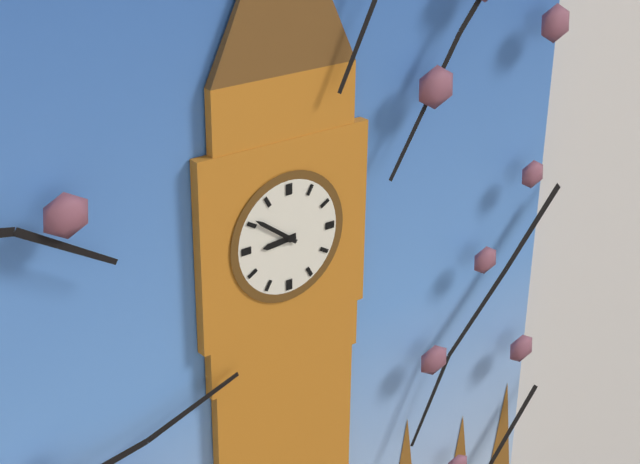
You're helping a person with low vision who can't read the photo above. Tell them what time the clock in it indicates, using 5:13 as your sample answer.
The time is 8:51
